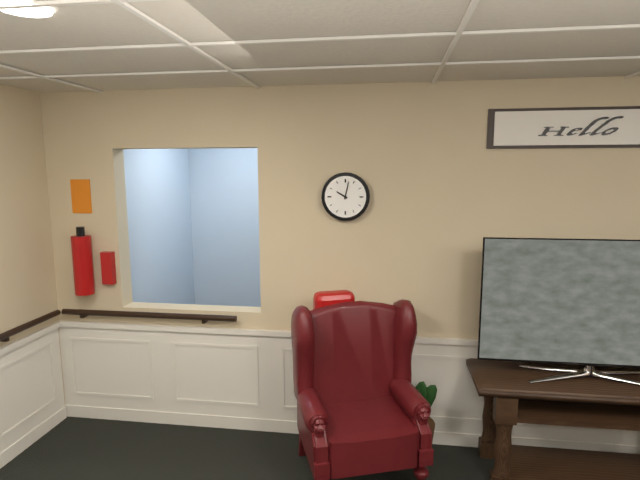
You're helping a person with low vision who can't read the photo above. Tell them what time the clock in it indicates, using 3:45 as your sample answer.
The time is 10:02
